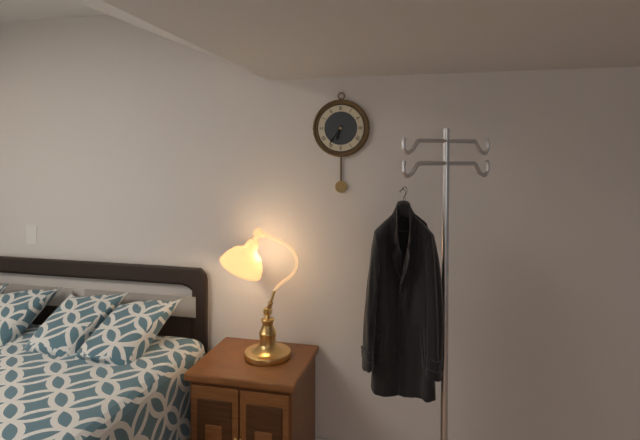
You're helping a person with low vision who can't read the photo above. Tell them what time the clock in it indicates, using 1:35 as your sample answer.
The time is 6:36
